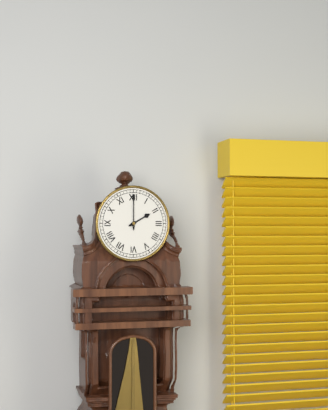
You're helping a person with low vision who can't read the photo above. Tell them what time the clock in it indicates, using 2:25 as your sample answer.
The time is 2:00
